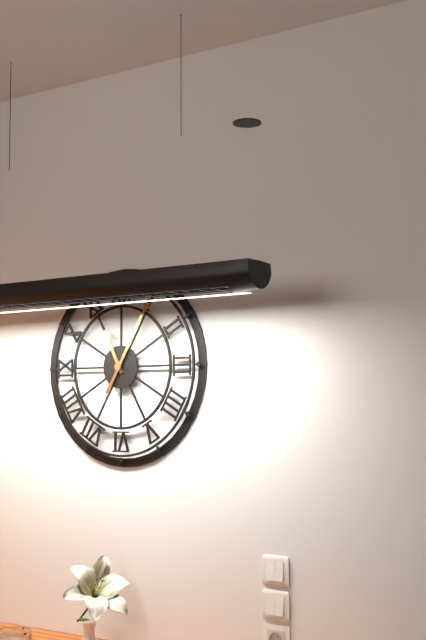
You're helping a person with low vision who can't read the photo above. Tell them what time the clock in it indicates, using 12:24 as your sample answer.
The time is 11:05
